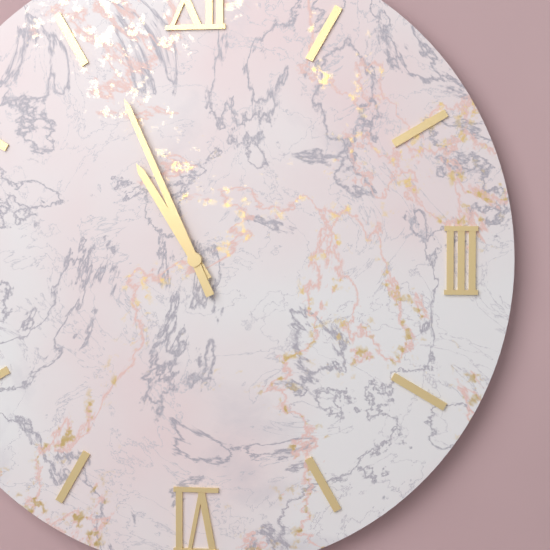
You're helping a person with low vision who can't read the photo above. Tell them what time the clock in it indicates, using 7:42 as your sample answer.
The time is 10:56
